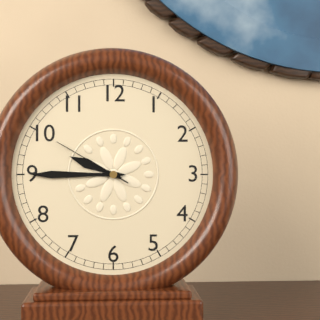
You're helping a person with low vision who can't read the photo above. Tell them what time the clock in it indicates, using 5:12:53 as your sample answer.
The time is 9:45:50
